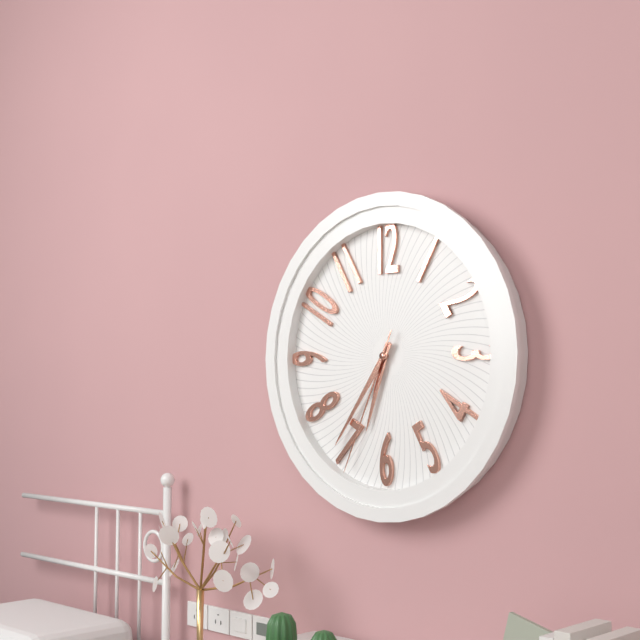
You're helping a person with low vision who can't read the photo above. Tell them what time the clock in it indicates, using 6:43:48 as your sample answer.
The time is 6:36:34
